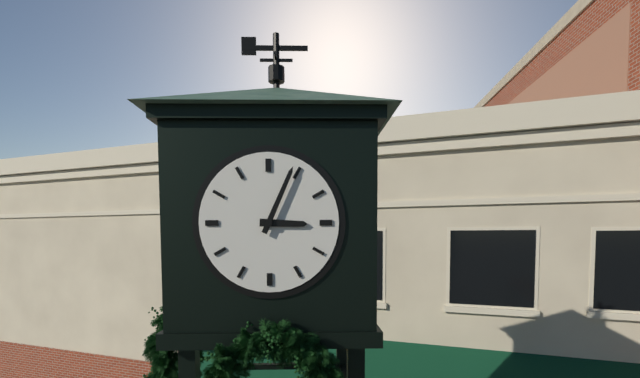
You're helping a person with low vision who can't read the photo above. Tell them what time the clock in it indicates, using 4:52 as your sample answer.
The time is 3:04
